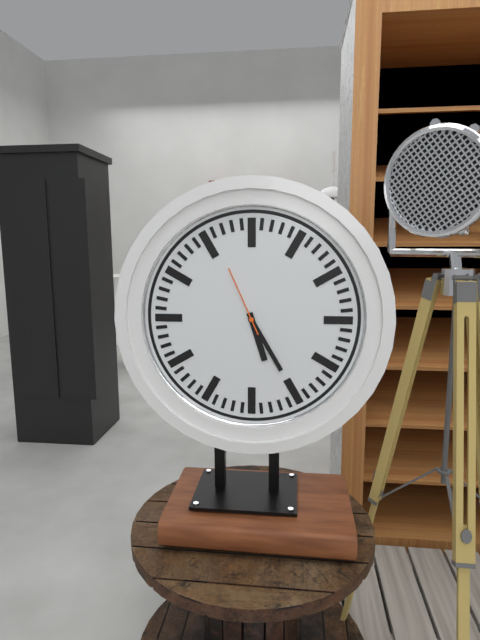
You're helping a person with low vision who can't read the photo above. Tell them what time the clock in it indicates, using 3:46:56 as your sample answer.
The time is 5:25:56
